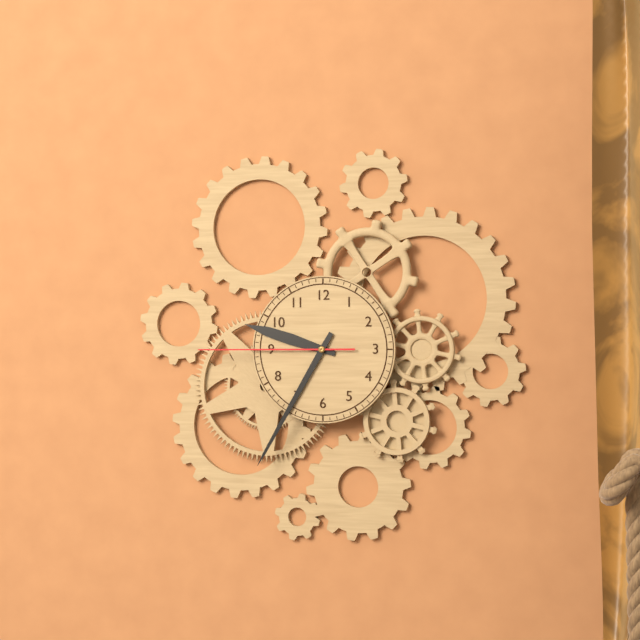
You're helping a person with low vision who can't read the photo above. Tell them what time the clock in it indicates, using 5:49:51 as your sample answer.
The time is 9:35:45
